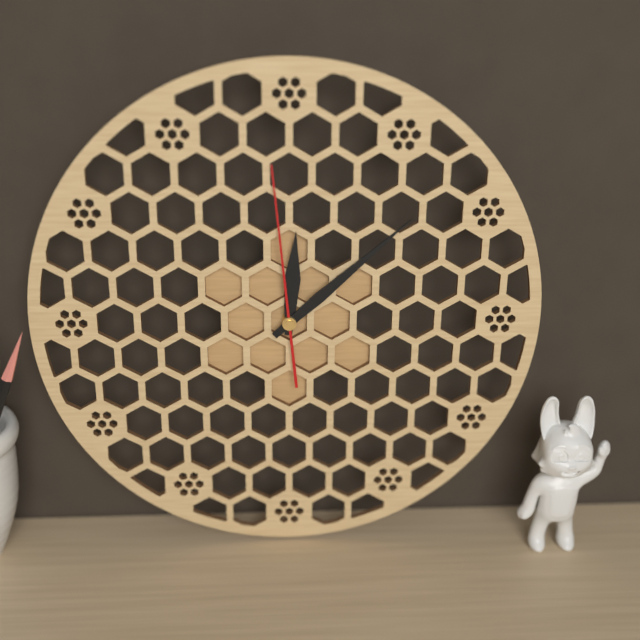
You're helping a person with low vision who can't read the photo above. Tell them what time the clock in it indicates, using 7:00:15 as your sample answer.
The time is 12:08:59
